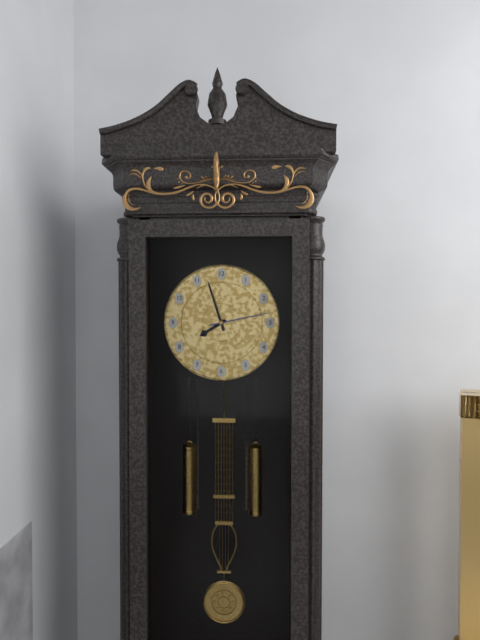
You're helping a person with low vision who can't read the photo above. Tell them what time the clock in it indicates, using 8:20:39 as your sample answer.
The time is 7:57:13
